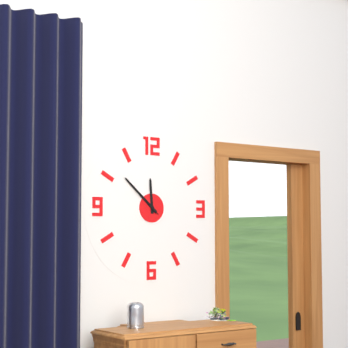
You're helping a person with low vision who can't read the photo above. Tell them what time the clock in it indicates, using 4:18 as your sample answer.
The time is 11:52
